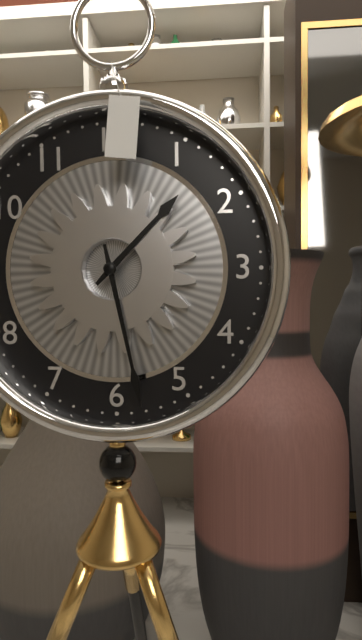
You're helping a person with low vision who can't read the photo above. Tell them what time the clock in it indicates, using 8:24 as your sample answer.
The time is 1:28
